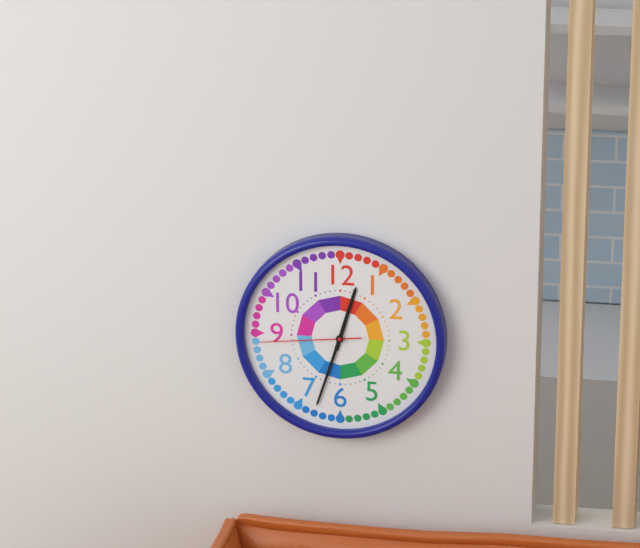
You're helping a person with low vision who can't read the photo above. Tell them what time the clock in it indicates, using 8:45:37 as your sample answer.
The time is 12:33:44
